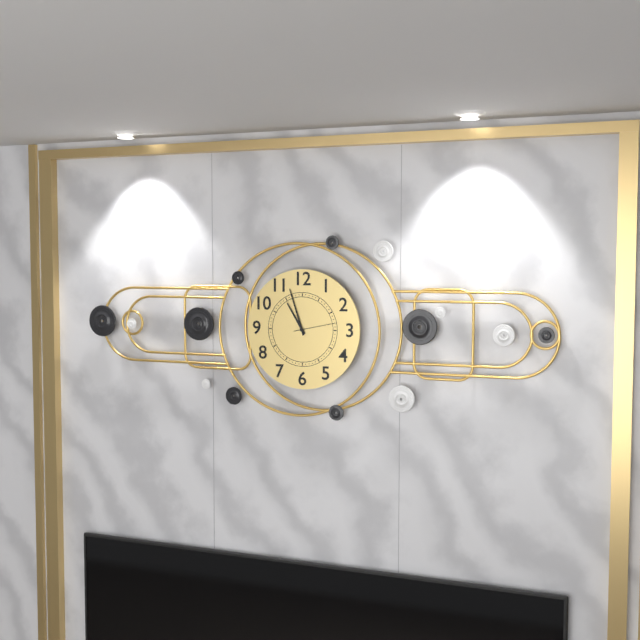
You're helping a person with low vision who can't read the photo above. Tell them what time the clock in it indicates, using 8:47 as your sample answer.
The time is 10:57
